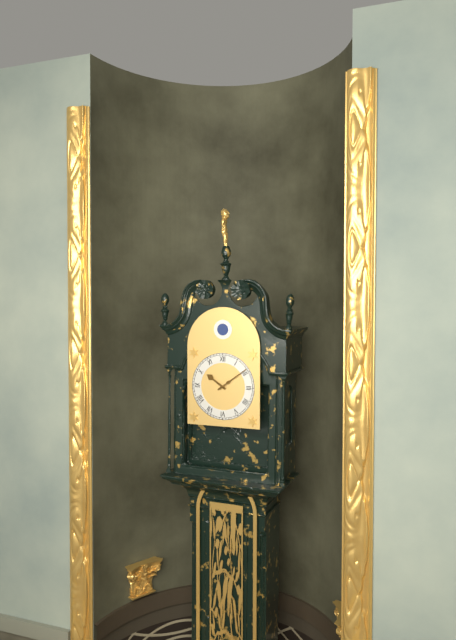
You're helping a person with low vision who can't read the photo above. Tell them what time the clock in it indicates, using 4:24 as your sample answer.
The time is 10:09
